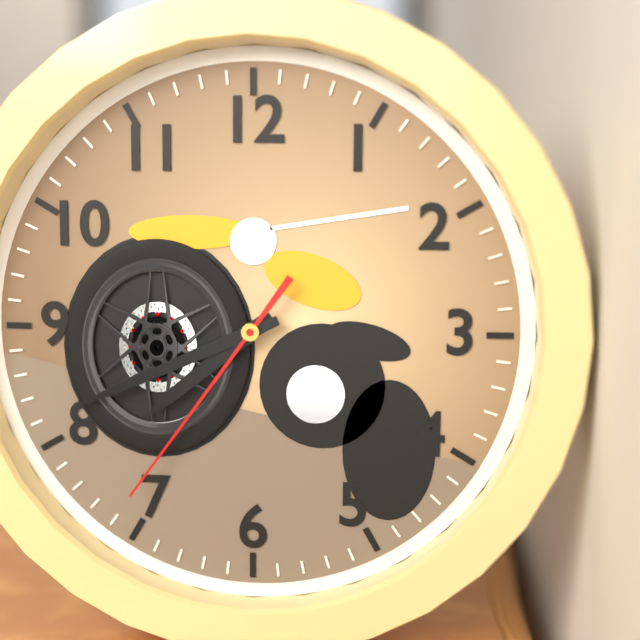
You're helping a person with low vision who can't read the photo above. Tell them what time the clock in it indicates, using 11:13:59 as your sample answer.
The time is 7:41:36
